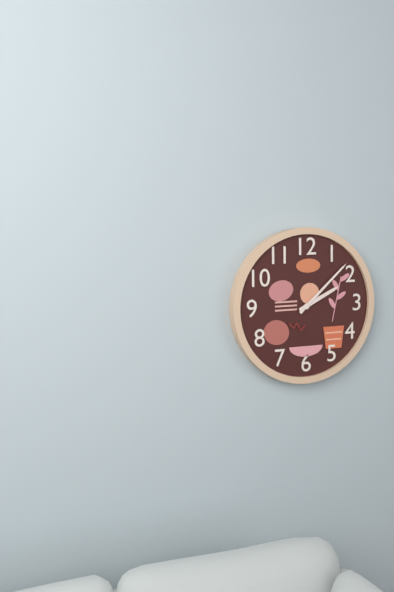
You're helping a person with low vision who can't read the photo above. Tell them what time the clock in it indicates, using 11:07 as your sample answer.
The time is 2:08
